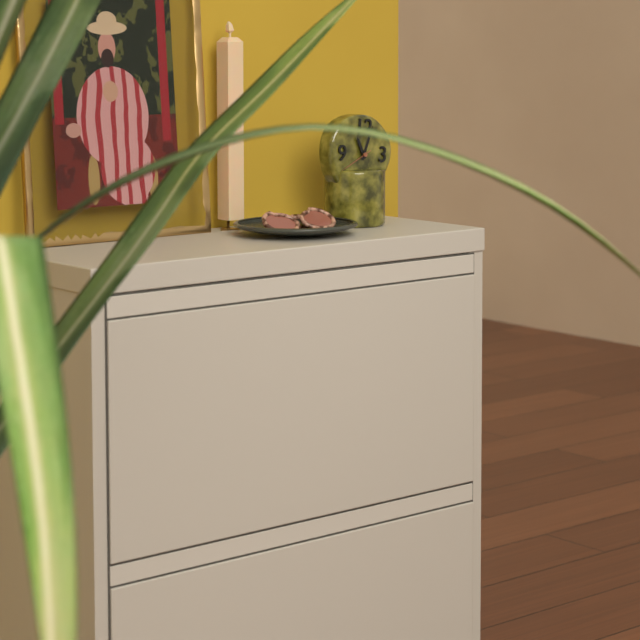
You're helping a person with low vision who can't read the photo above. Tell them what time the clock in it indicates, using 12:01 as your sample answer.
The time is 11:03
